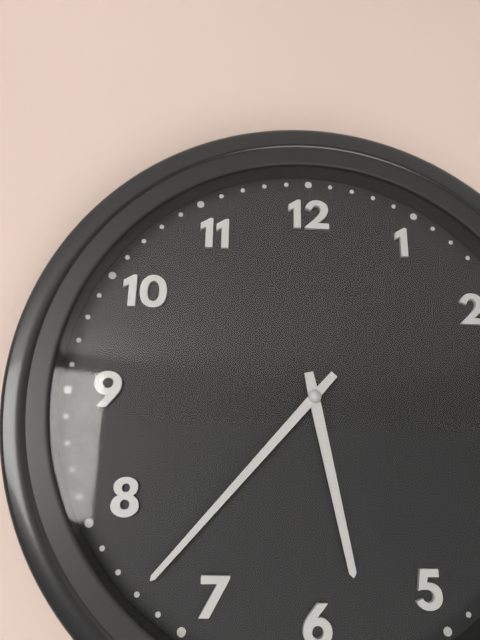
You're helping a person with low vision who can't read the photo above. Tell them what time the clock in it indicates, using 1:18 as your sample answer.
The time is 5:37
